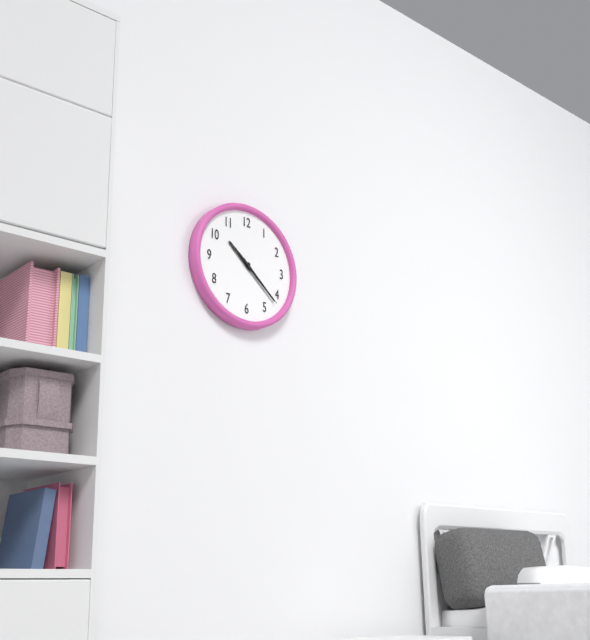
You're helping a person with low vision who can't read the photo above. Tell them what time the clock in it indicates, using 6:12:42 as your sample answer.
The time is 10:22:22
